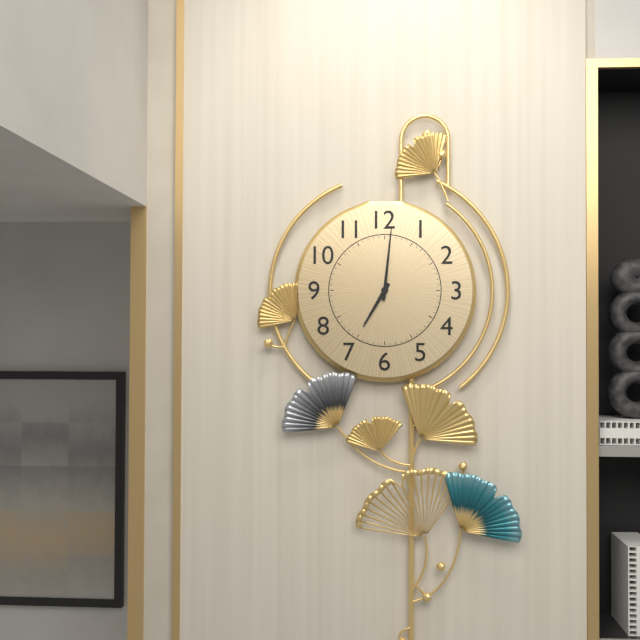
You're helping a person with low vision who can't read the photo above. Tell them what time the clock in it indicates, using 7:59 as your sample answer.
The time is 7:01
